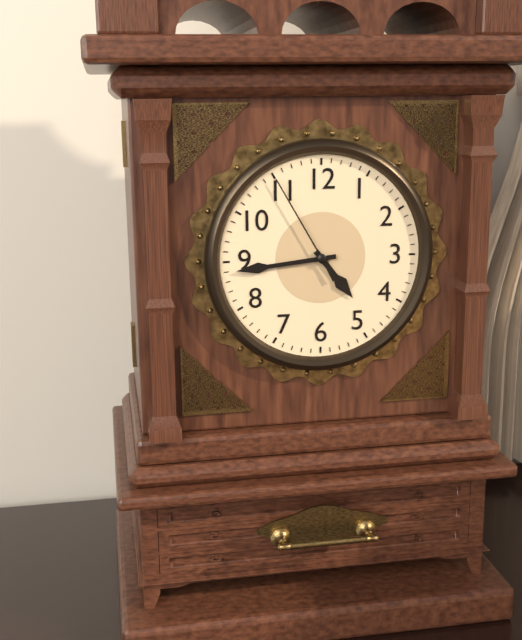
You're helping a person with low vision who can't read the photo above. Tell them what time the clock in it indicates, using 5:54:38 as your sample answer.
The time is 4:44:55
